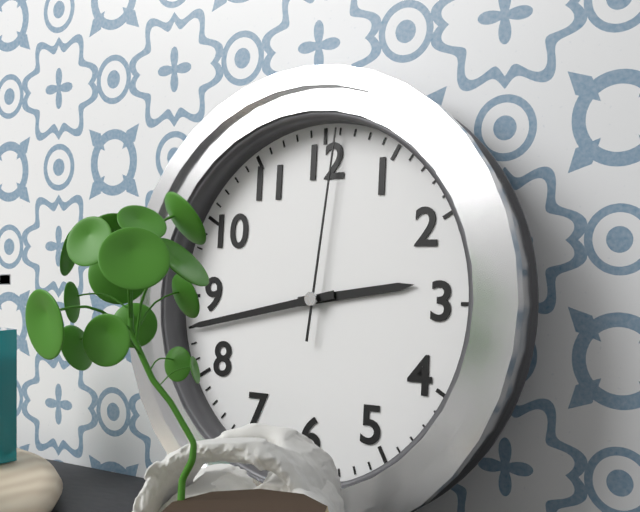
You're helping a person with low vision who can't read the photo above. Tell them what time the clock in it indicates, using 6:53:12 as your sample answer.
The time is 2:43:01
